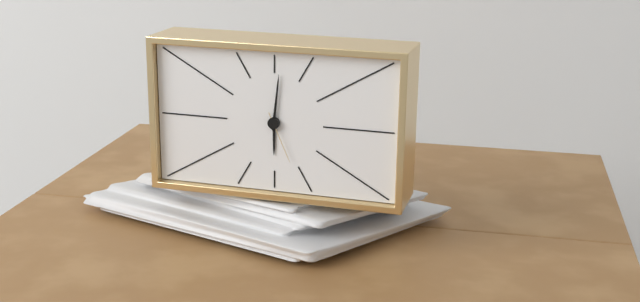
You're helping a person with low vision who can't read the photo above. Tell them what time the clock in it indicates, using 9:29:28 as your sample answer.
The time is 6:01:26
